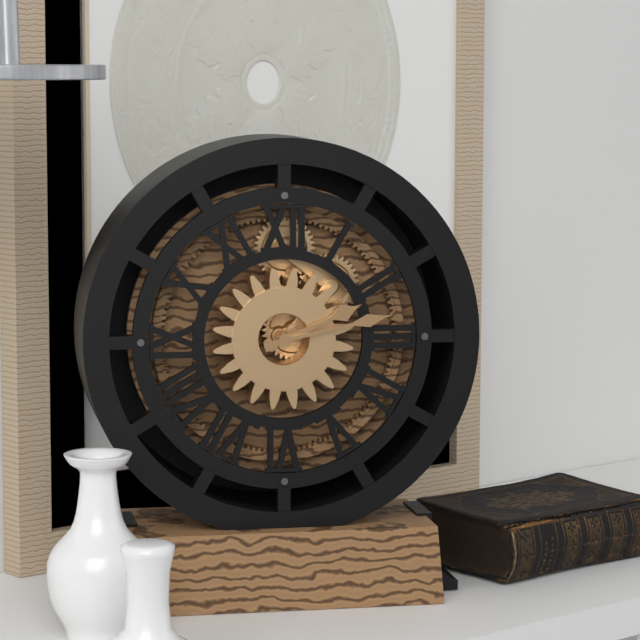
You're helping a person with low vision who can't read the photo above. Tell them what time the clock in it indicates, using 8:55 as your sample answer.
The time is 2:13
